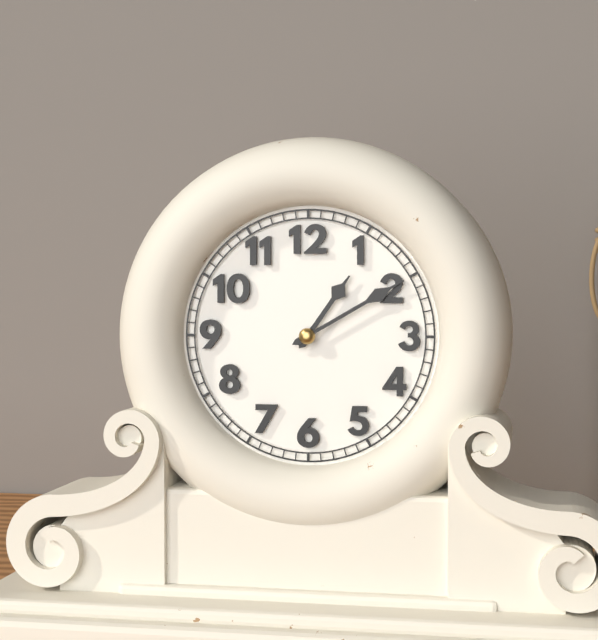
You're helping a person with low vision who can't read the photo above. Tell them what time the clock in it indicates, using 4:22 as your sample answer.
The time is 1:10
